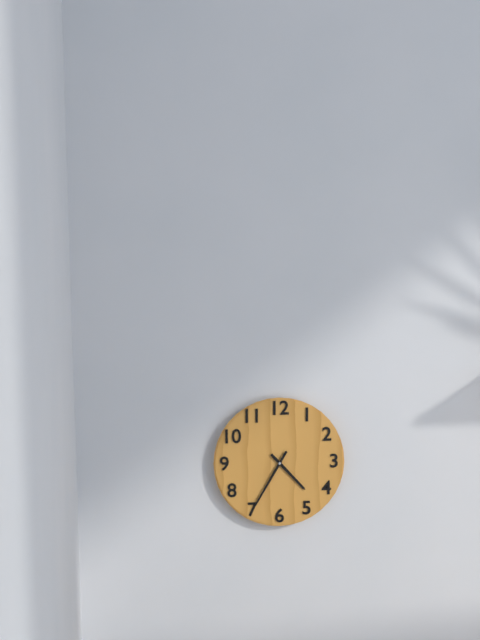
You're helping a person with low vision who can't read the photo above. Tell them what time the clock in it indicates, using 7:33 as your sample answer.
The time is 4:35
